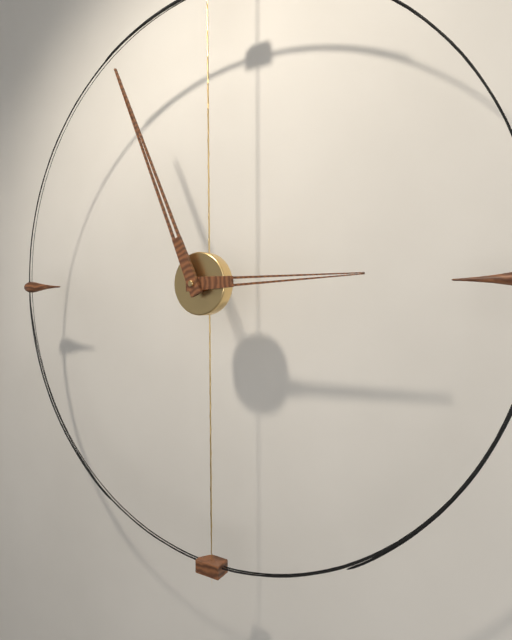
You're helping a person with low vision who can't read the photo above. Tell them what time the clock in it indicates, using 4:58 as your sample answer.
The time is 2:56
